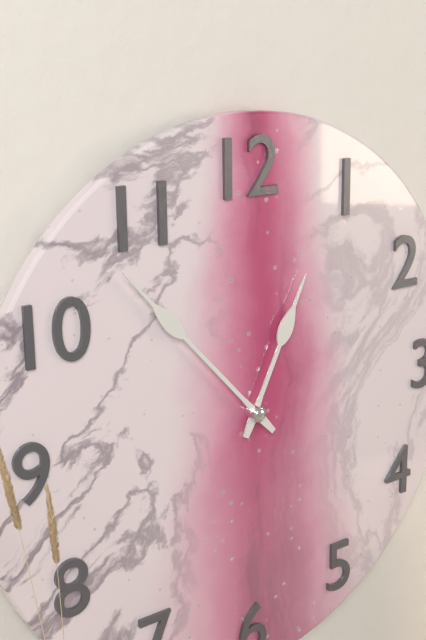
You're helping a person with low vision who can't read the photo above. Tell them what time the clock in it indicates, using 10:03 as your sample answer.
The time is 12:53
